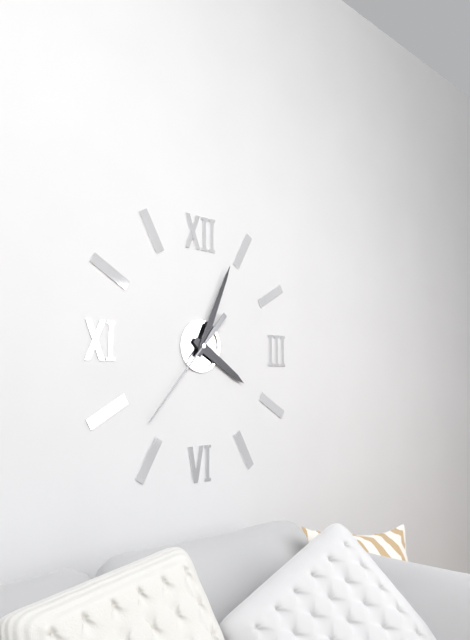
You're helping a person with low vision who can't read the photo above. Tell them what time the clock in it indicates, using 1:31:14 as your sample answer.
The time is 4:04:37
